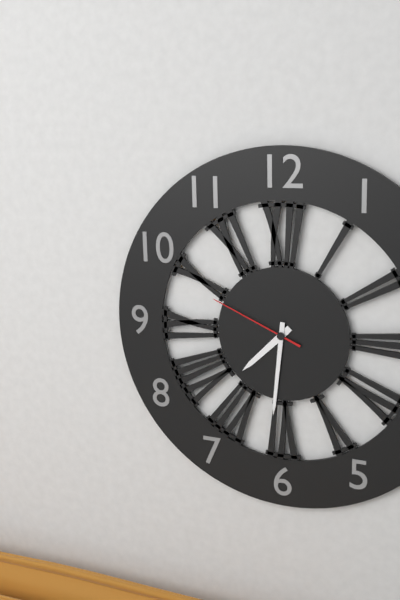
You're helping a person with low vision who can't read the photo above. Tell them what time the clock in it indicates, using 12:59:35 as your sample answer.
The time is 7:31:49
